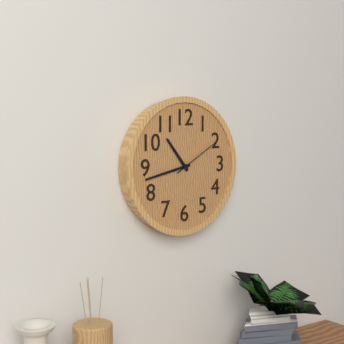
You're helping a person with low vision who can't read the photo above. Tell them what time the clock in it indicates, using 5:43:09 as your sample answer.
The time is 10:43:10
